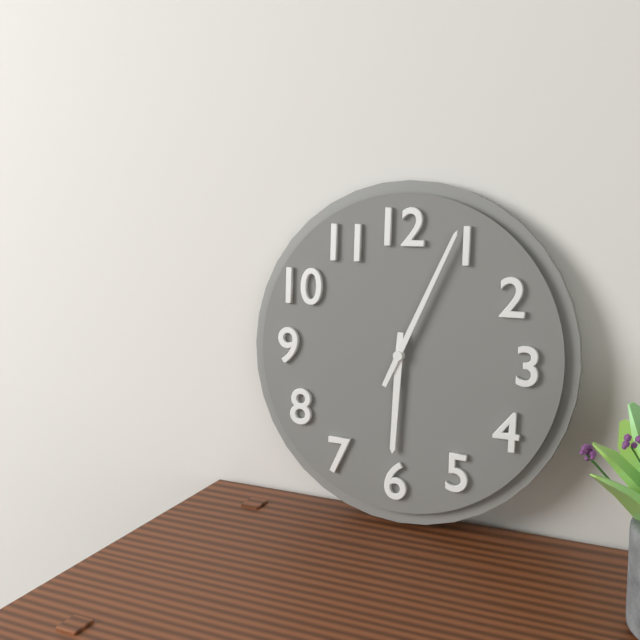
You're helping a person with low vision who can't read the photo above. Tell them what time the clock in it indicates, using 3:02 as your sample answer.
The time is 6:04
